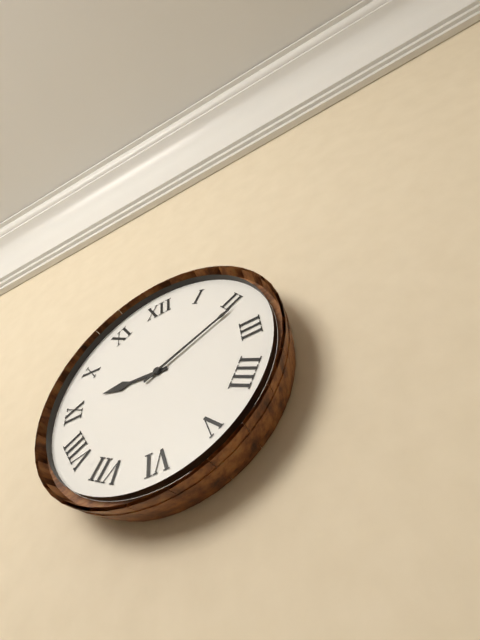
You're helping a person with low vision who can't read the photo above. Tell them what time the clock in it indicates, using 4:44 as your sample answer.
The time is 9:11
